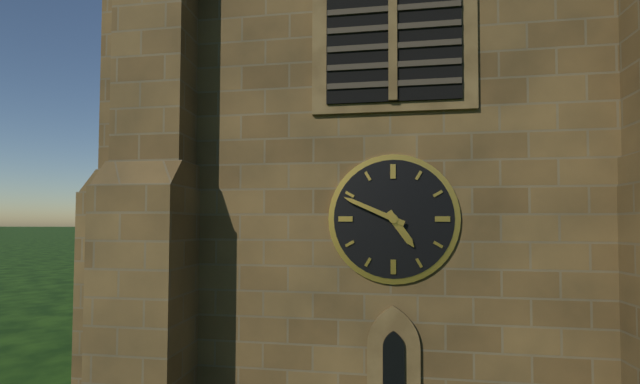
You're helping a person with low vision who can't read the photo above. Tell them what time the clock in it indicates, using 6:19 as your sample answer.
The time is 4:49
